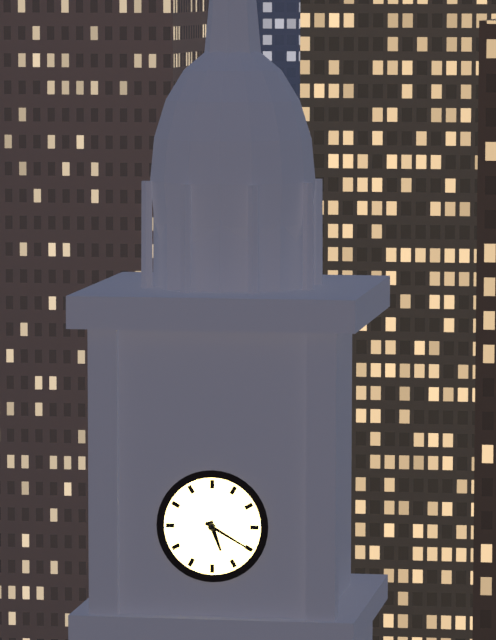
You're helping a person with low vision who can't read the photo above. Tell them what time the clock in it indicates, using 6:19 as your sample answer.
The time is 5:20
